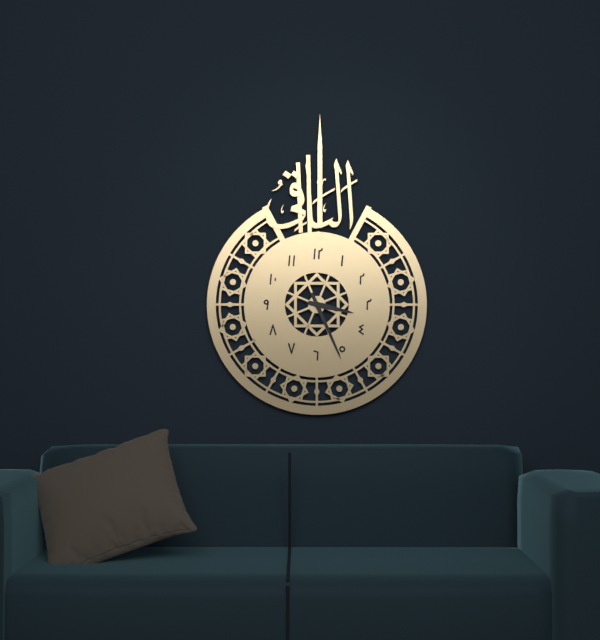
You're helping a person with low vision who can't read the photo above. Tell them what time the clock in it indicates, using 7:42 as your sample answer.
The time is 3:26
